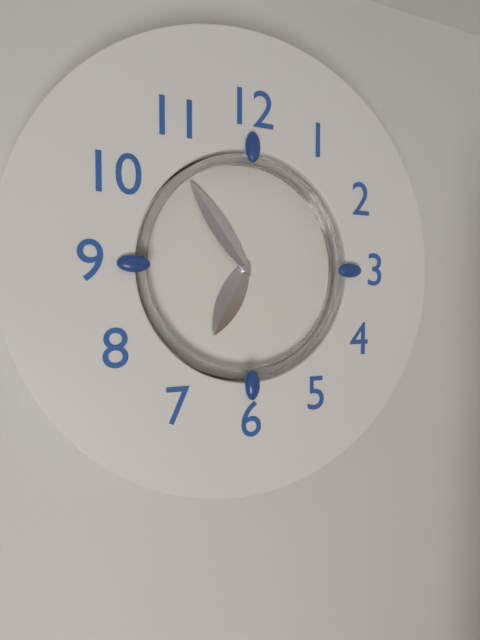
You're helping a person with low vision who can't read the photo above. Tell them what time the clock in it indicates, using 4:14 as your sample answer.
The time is 6:54
